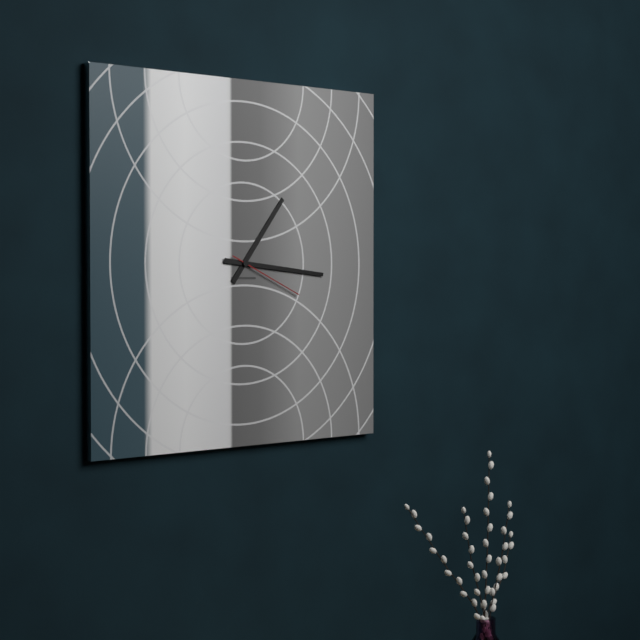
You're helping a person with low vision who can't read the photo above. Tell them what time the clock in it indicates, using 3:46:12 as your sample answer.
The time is 1:16:19
